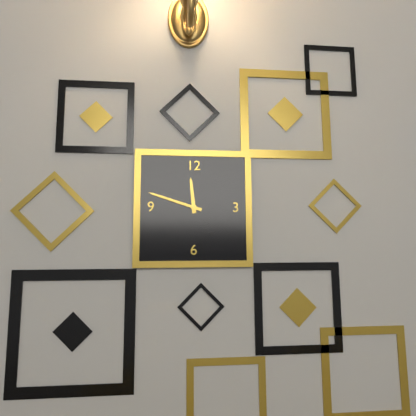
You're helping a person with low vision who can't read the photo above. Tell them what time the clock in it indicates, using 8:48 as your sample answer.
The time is 11:48
